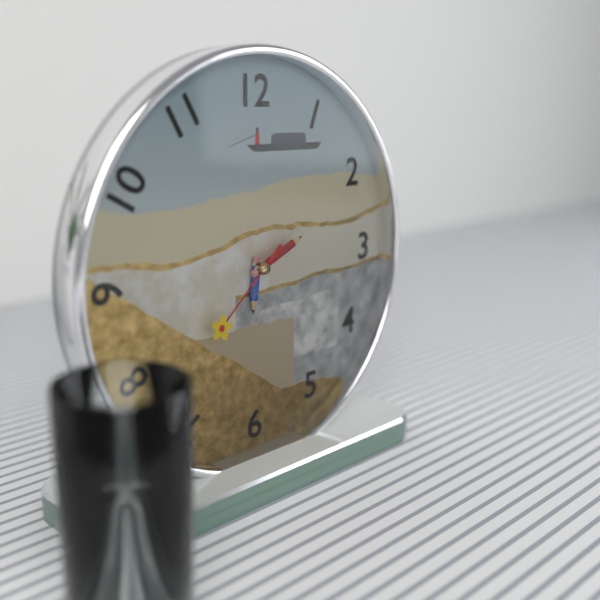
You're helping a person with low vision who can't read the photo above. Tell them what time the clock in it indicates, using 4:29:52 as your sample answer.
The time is 6:11:38
